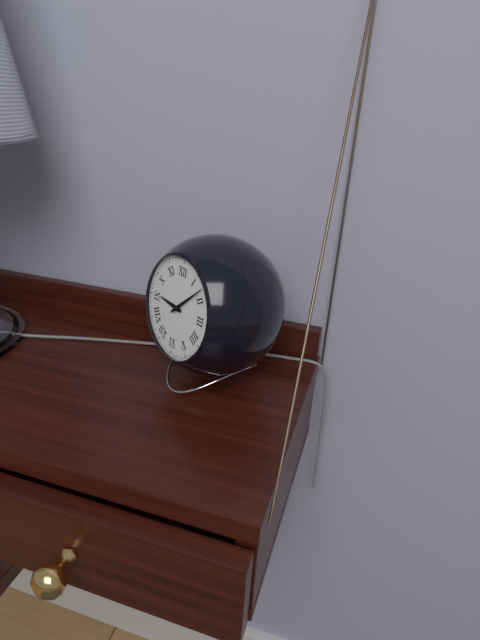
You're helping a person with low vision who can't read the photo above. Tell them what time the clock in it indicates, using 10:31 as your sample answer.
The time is 9:08
